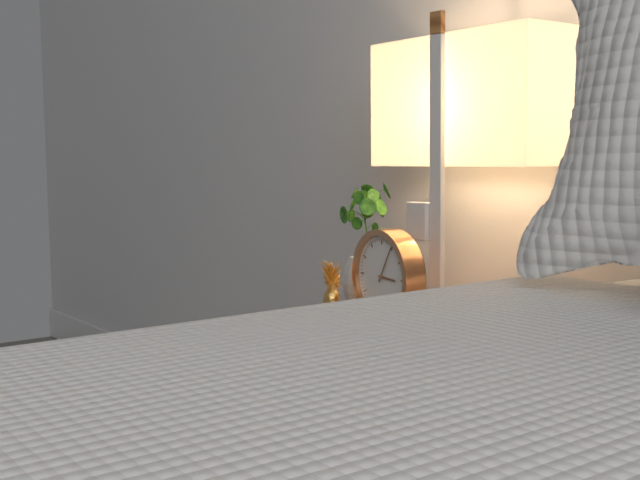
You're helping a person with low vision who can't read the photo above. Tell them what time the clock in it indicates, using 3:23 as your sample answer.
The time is 3:05
